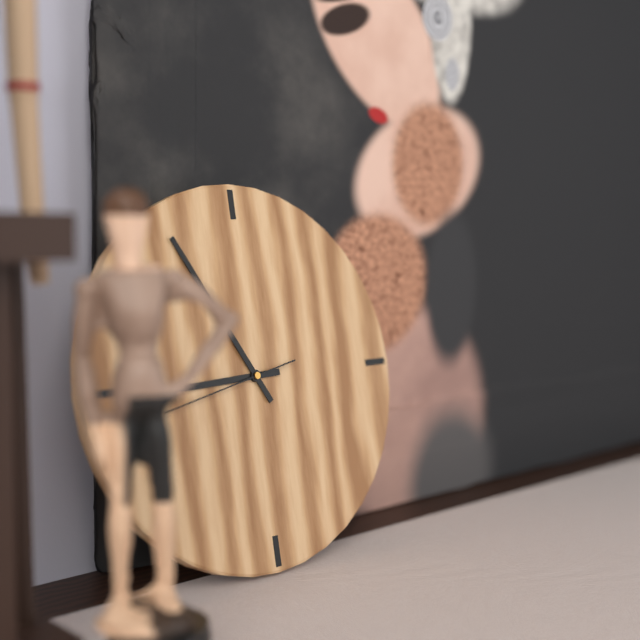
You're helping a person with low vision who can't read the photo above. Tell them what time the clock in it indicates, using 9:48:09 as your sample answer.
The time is 8:55:43
